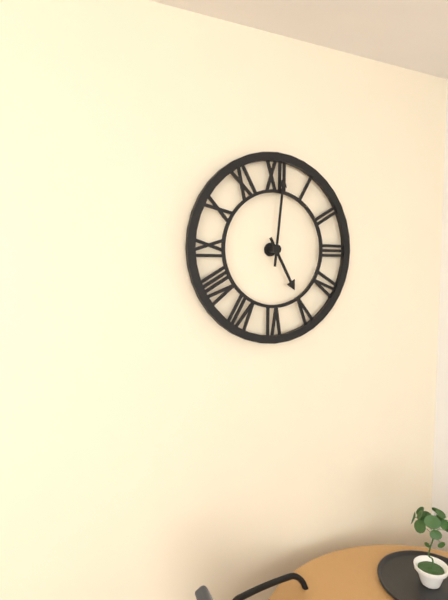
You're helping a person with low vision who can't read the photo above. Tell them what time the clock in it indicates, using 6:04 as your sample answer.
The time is 5:01
